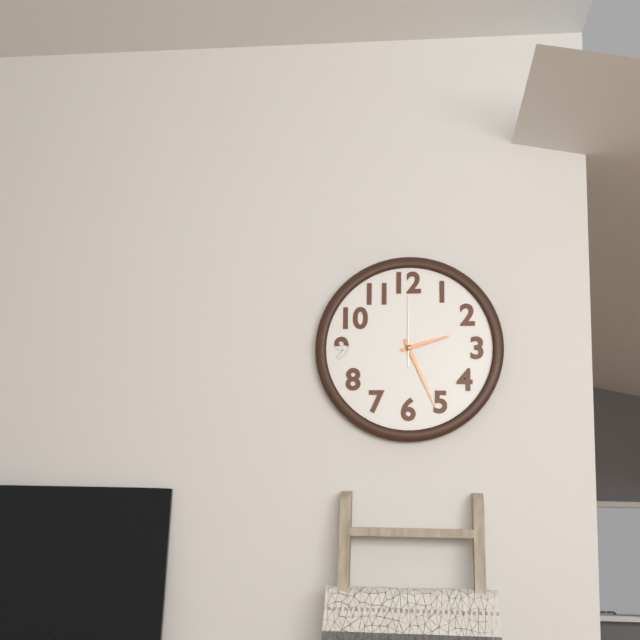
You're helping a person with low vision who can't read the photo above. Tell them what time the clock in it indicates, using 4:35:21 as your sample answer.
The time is 2:26:00
